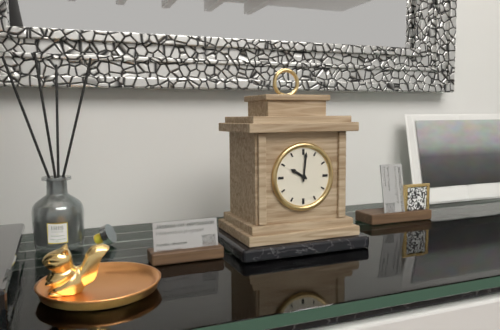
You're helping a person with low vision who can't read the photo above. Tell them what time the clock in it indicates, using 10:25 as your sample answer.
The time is 10:01
